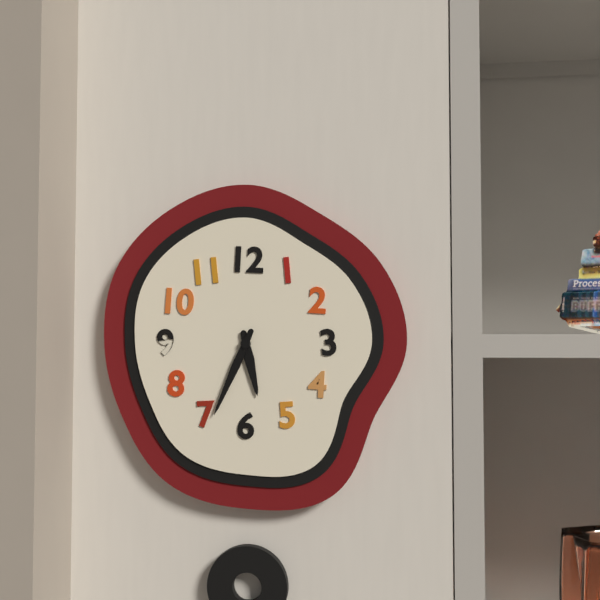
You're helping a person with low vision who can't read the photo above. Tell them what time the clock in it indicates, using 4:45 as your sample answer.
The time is 5:34
